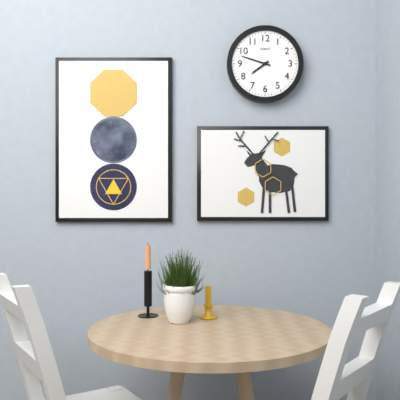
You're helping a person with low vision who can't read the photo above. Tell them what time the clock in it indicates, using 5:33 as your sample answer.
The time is 7:48
